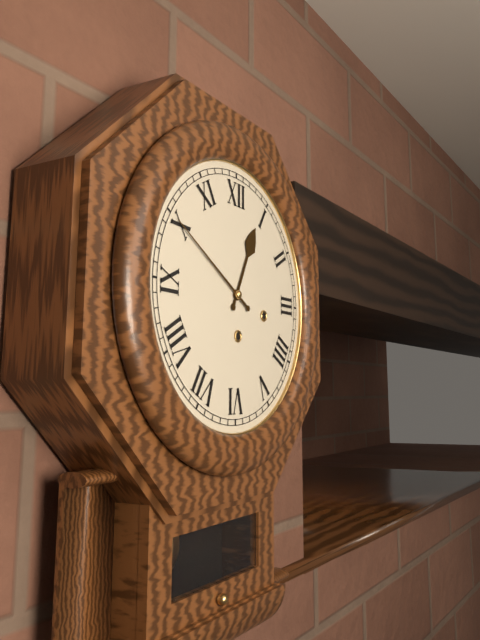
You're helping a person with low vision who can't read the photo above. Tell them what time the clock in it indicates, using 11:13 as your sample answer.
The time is 12:50
